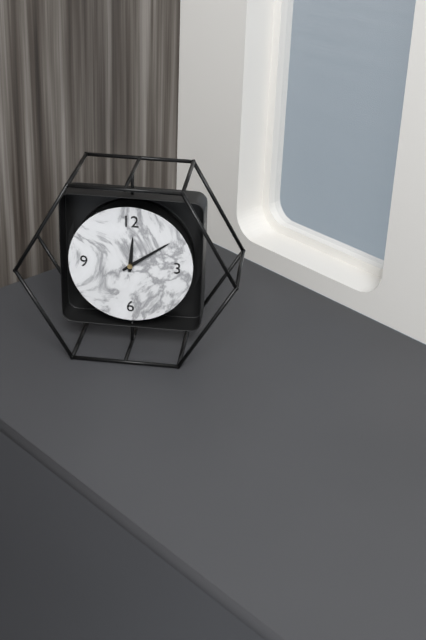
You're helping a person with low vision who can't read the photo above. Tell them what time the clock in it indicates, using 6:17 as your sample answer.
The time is 12:09
